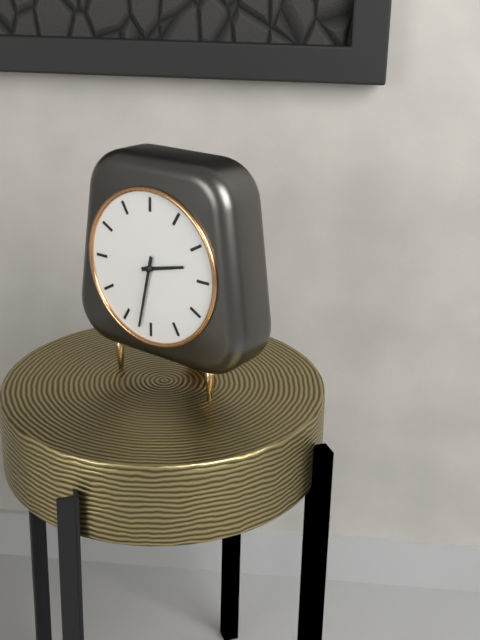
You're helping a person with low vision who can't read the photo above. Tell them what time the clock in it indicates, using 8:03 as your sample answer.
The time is 2:32
